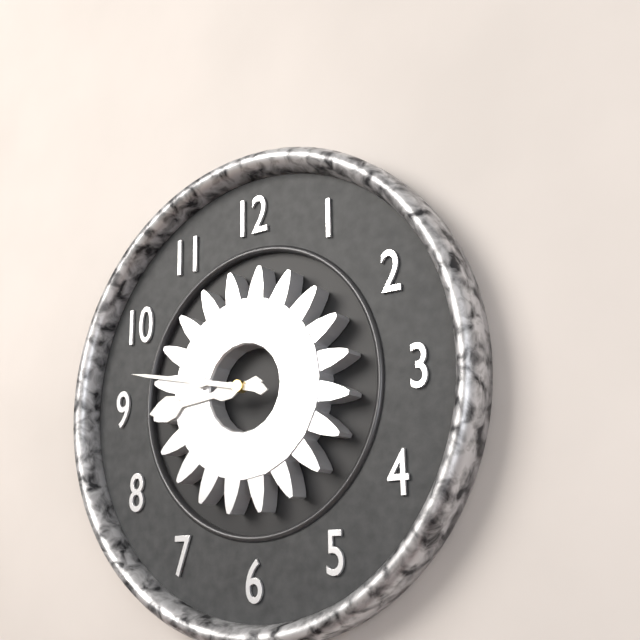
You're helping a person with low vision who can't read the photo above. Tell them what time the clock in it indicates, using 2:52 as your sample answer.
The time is 8:47
